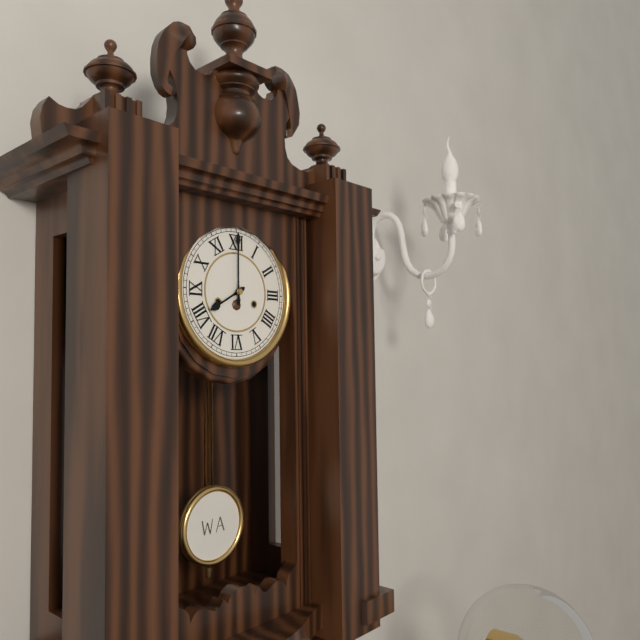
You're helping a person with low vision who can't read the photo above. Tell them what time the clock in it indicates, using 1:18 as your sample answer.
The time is 8:00
